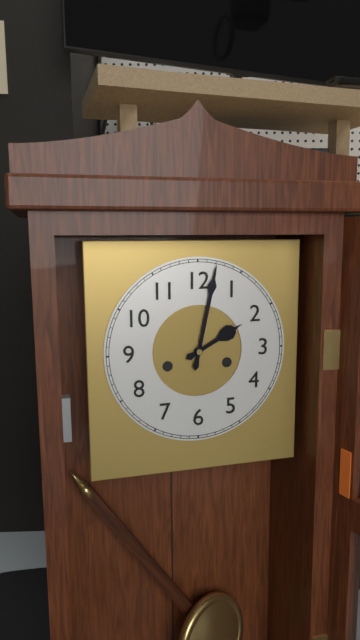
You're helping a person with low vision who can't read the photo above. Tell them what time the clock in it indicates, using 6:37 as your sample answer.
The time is 2:02
